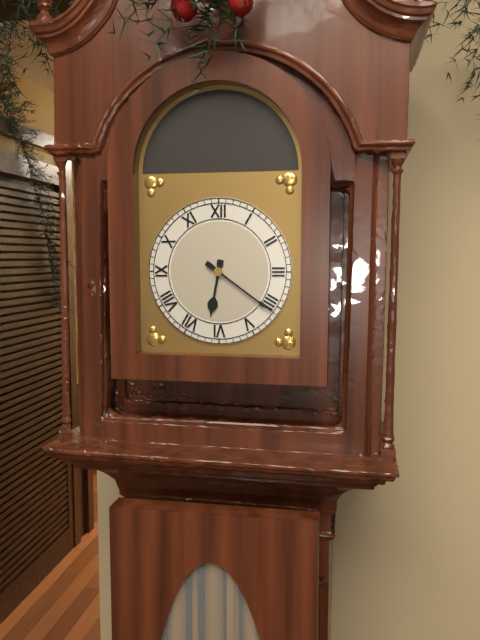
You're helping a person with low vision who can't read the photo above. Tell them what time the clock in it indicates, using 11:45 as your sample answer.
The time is 6:21
